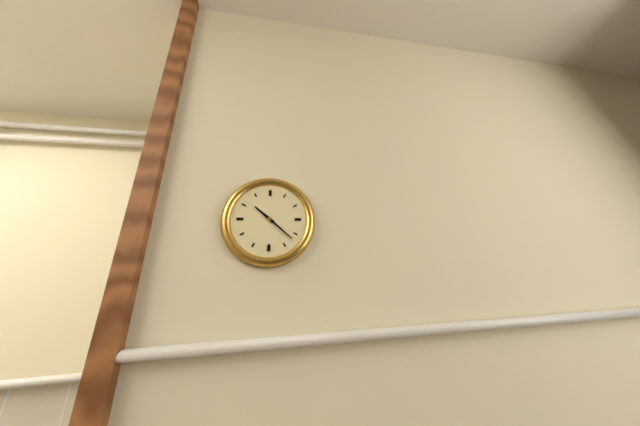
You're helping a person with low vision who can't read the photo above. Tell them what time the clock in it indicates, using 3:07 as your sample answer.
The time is 10:22
